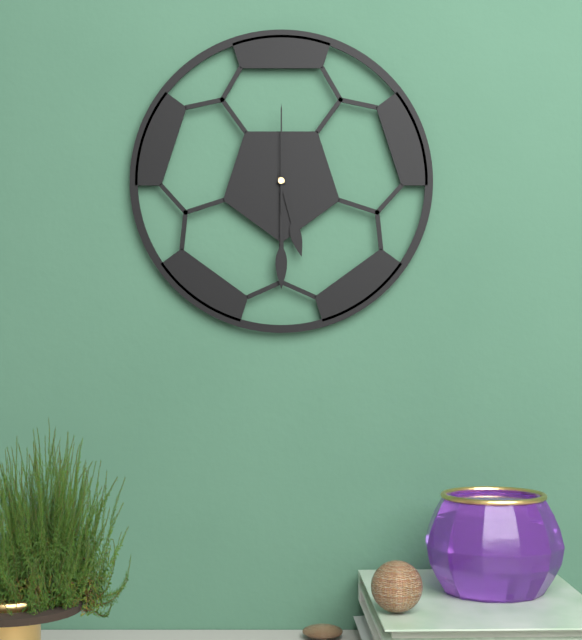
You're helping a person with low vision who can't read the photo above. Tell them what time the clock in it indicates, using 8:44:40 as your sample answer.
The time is 5:30:00
